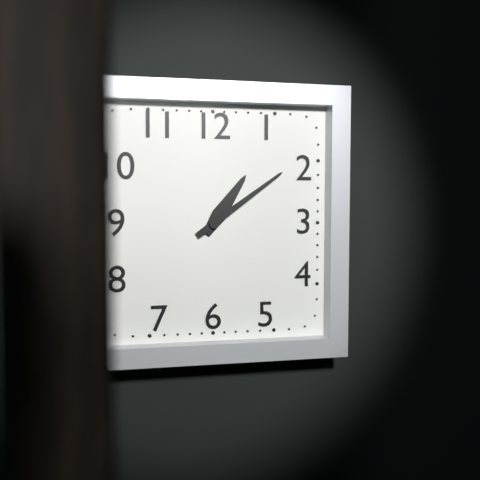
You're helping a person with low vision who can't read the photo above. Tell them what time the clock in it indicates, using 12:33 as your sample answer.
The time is 1:09
